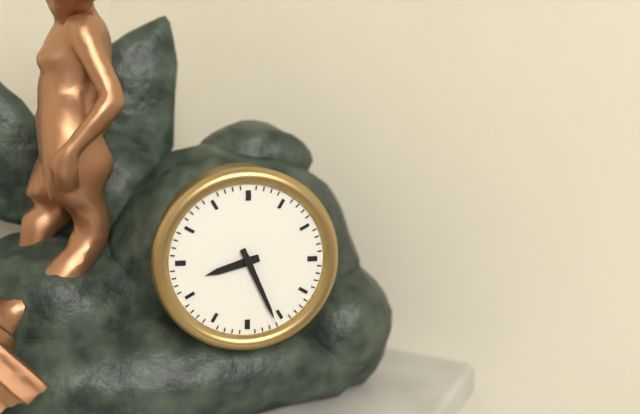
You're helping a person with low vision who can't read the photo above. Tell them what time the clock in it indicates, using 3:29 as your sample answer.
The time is 8:26
